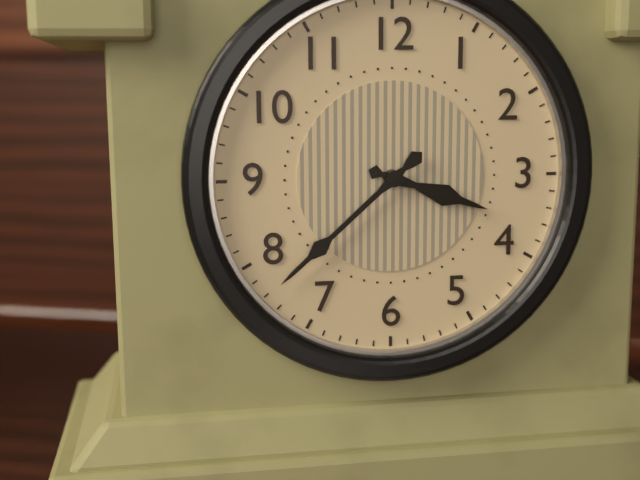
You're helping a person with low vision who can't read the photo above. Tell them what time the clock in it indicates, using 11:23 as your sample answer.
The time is 3:38
